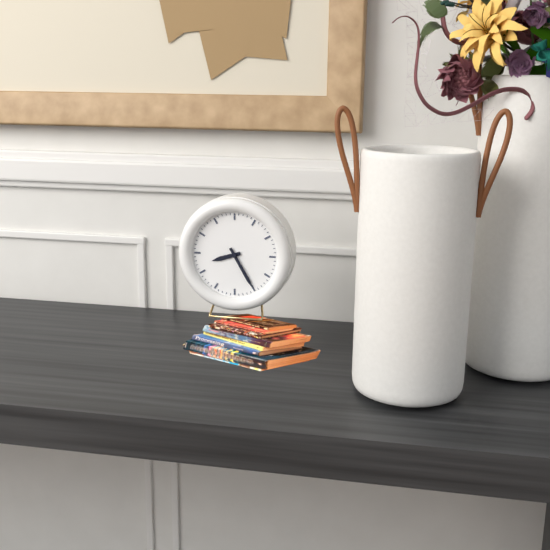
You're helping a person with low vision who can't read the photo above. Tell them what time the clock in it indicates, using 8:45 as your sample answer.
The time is 8:25
